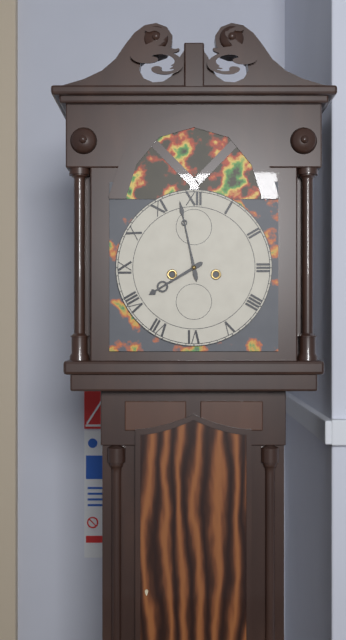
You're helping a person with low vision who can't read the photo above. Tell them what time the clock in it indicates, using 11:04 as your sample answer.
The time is 7:58
